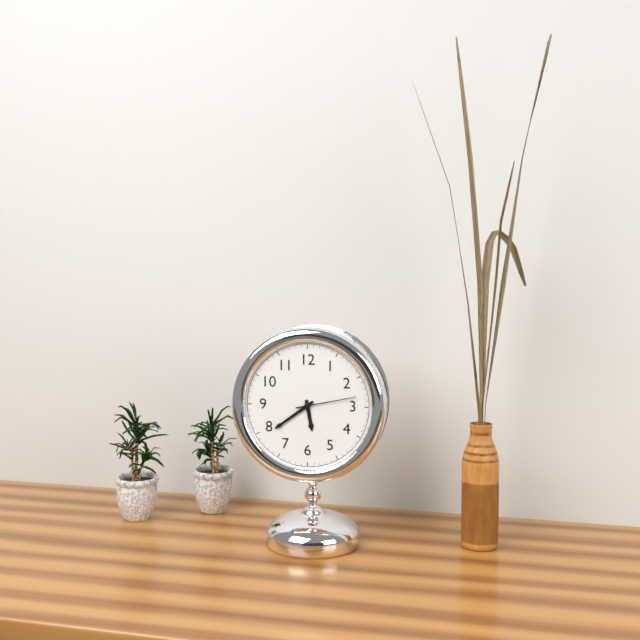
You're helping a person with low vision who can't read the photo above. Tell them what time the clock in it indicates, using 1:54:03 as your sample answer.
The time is 5:39:13
